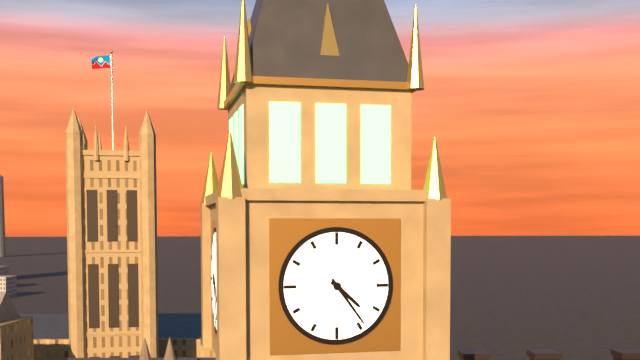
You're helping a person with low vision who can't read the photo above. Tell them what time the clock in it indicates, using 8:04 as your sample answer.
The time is 4:24
